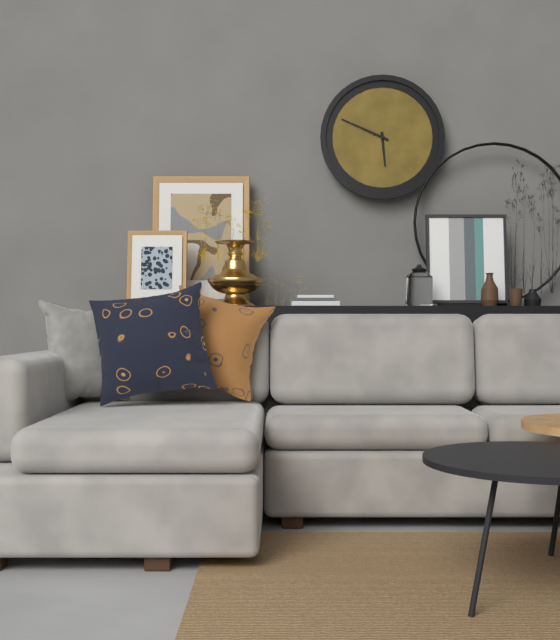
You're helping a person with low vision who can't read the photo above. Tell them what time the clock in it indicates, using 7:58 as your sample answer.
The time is 5:49
